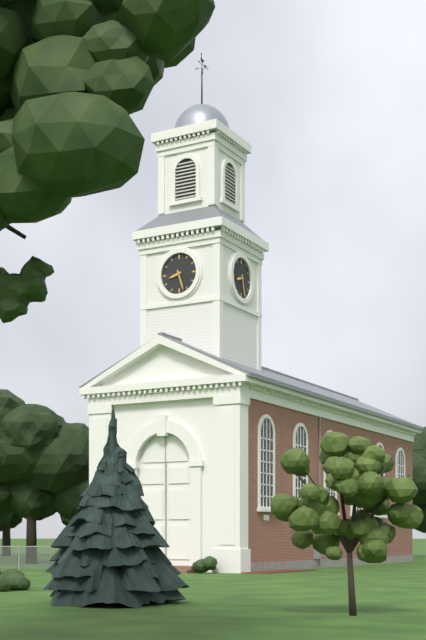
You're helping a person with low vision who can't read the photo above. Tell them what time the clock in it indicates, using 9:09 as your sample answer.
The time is 8:27
